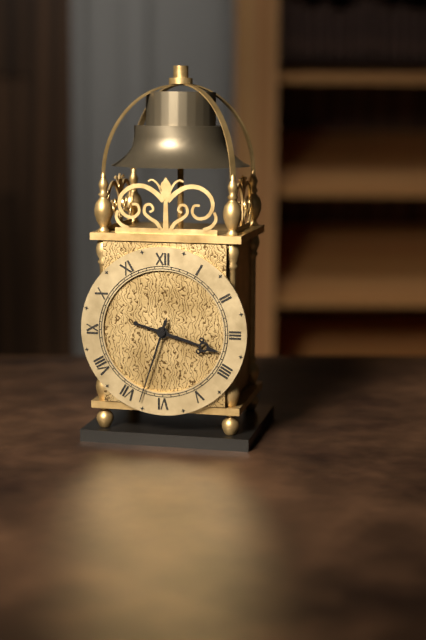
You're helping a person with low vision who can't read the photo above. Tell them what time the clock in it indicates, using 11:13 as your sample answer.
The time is 3:33
